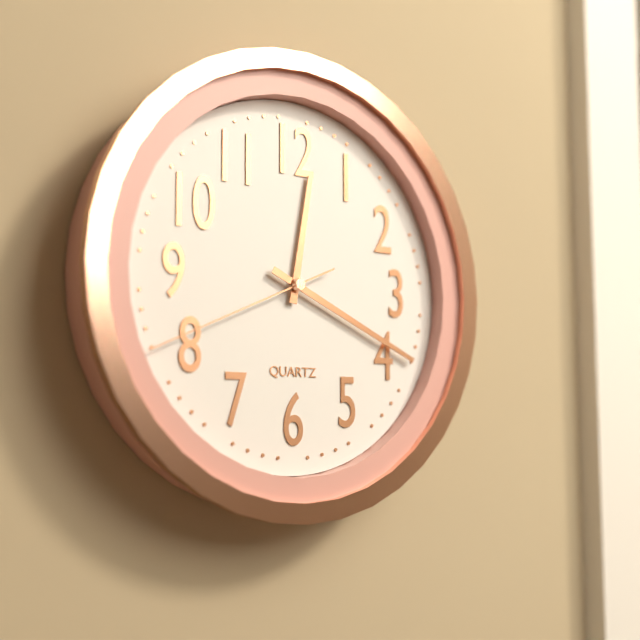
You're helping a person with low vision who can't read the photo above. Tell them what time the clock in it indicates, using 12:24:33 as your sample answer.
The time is 12:19:41
